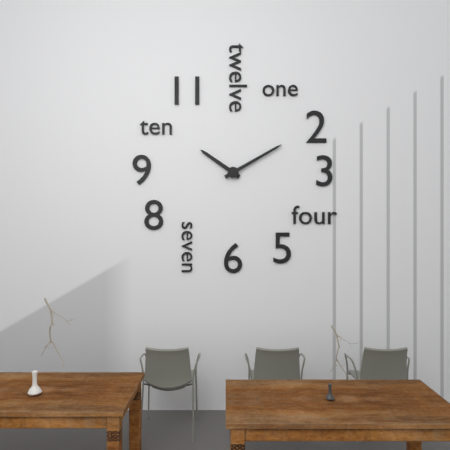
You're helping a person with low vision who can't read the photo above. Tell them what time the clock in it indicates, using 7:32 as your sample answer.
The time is 10:10
